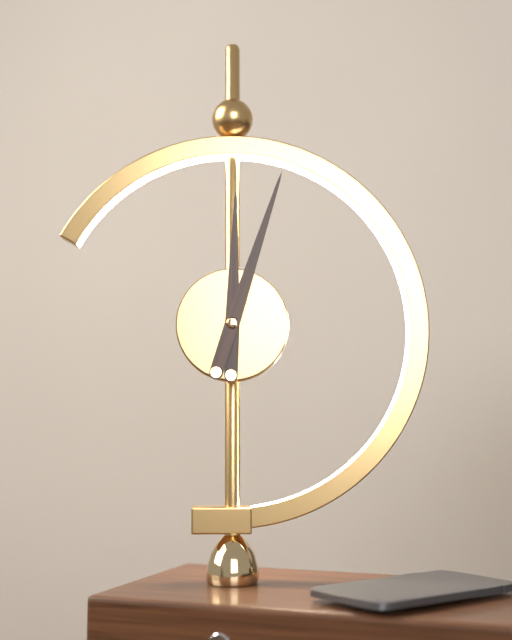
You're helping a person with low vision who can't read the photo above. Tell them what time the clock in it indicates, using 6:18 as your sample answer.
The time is 12:03
